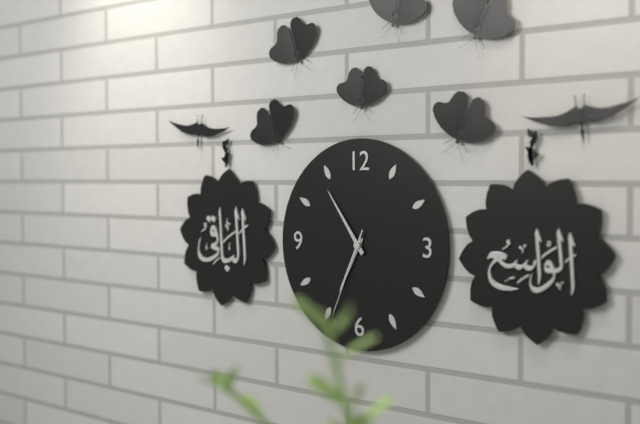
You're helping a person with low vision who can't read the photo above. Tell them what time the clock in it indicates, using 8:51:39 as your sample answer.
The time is 6:54:34
